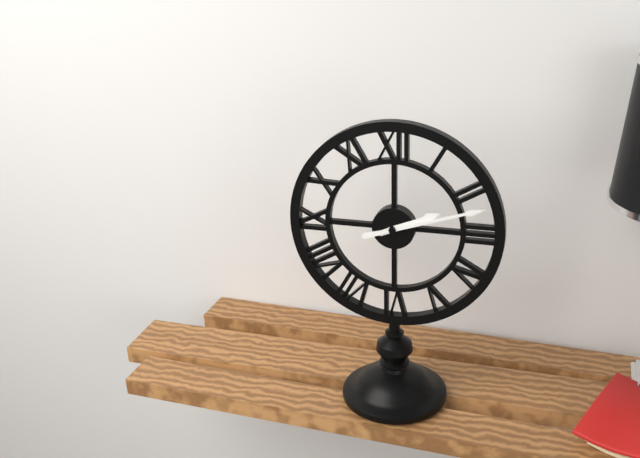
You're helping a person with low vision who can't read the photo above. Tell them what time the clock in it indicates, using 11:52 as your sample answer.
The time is 2:12
